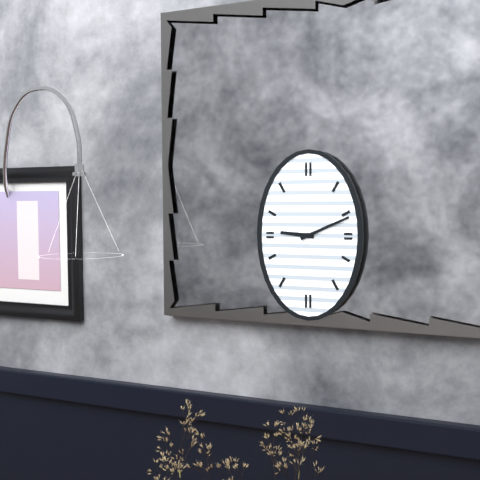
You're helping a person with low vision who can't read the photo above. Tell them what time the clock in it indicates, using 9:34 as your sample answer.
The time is 9:11
